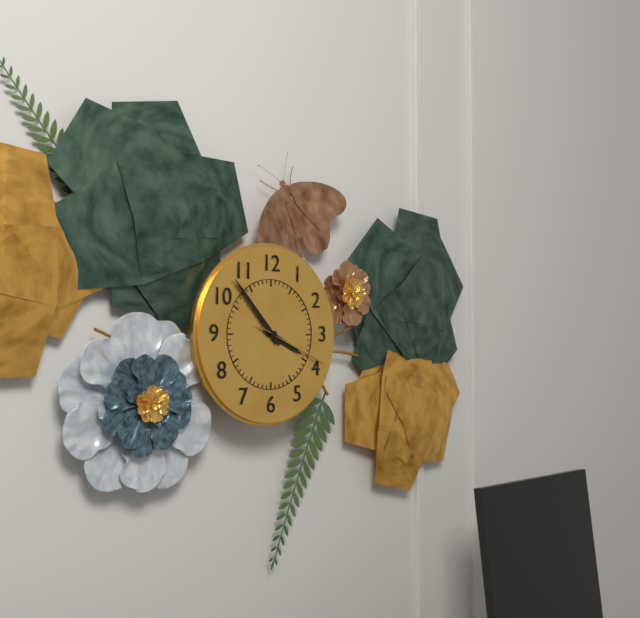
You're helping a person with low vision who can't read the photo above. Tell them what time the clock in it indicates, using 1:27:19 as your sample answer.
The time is 3:53:19
